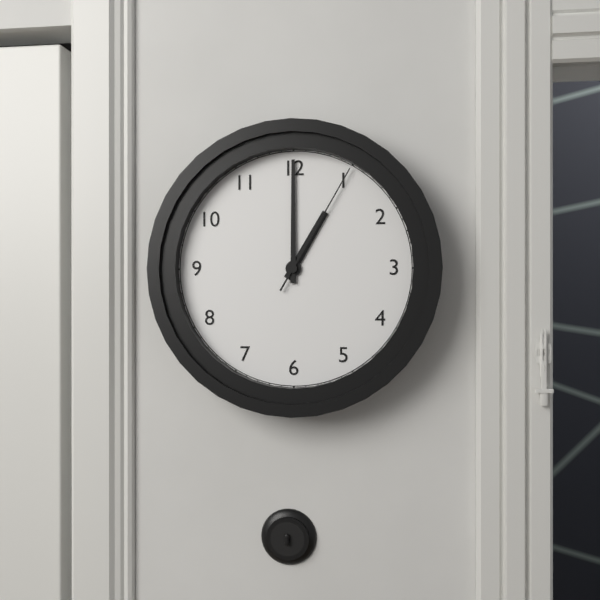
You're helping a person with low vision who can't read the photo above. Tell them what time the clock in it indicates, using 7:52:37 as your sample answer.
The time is 1:00:05
